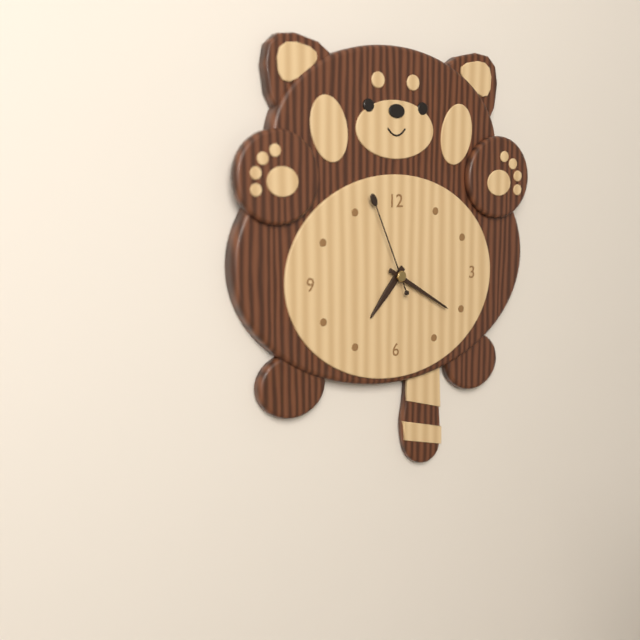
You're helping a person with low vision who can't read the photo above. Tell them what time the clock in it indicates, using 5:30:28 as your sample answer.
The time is 7:20:56
